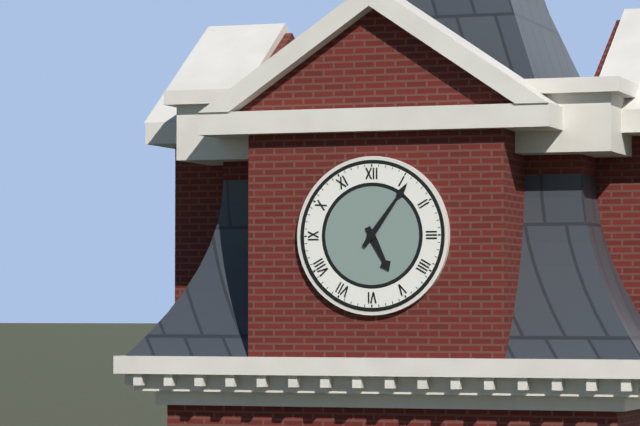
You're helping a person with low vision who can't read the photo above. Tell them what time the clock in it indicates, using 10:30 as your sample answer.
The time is 5:06
